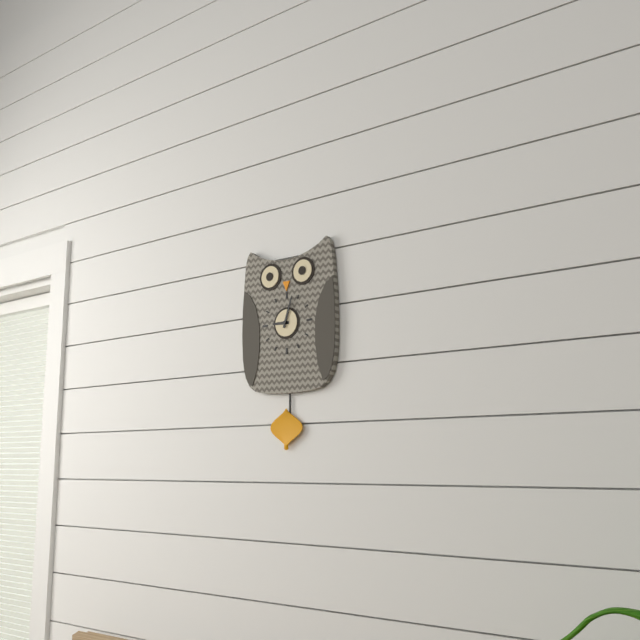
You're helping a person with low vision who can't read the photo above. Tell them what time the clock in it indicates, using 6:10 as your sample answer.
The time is 9:03
